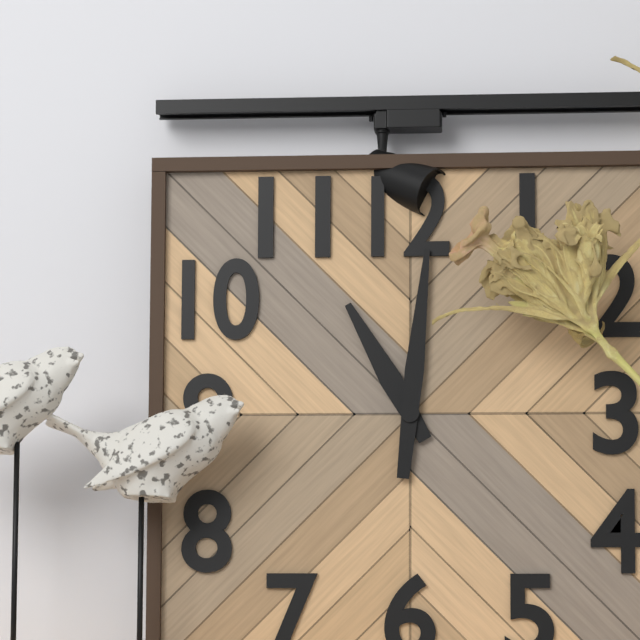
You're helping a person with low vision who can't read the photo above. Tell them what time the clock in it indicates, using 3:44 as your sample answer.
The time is 11:01
